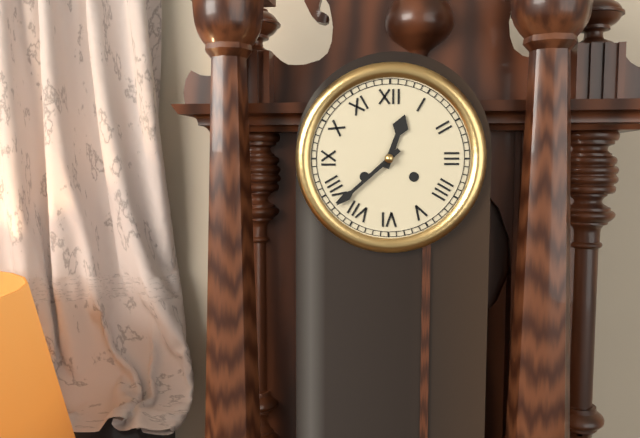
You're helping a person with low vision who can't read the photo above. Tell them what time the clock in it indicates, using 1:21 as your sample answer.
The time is 12:38
